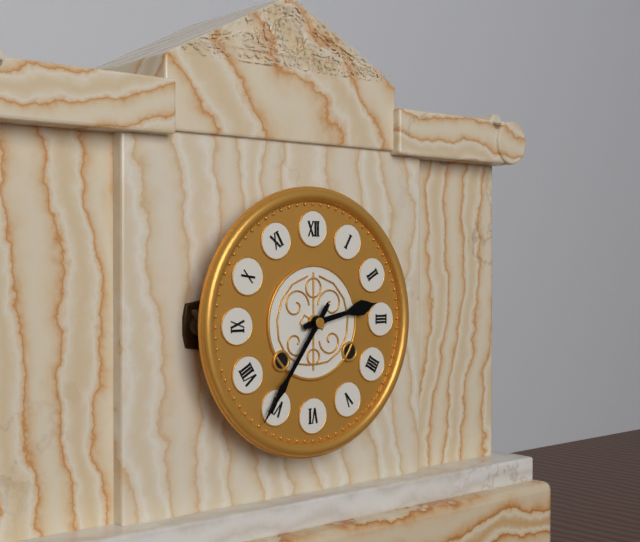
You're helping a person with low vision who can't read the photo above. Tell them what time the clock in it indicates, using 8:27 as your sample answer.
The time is 2:36
